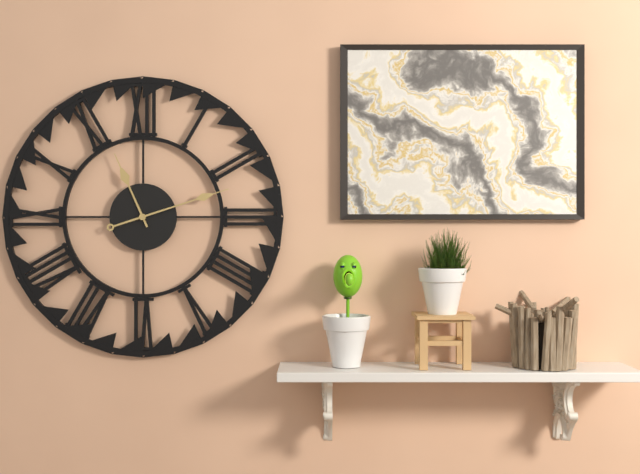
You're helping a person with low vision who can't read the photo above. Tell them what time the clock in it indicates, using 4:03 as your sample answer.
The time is 11:12
